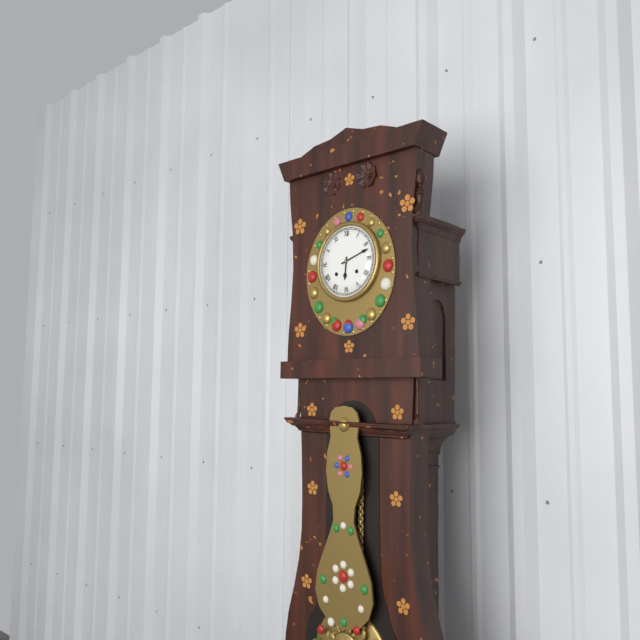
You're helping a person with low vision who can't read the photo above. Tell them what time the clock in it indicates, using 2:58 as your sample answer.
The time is 6:12
